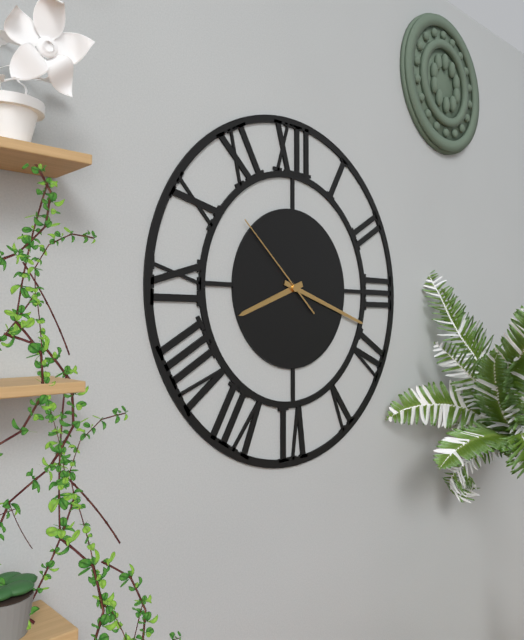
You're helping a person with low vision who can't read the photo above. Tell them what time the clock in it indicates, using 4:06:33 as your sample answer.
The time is 8:18:52
